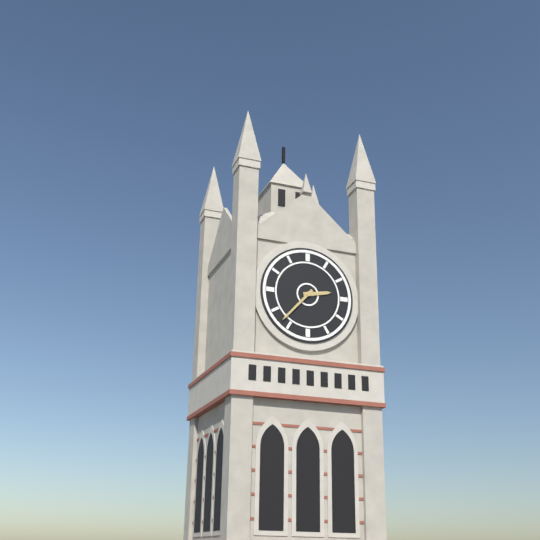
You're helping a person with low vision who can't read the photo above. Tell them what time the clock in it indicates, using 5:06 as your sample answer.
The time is 2:37
